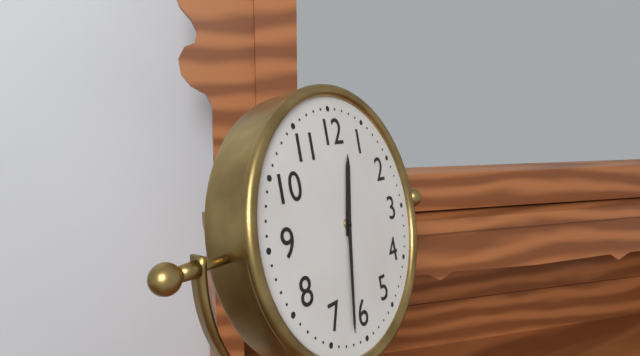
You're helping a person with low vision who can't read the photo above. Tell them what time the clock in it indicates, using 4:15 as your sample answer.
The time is 12:32
